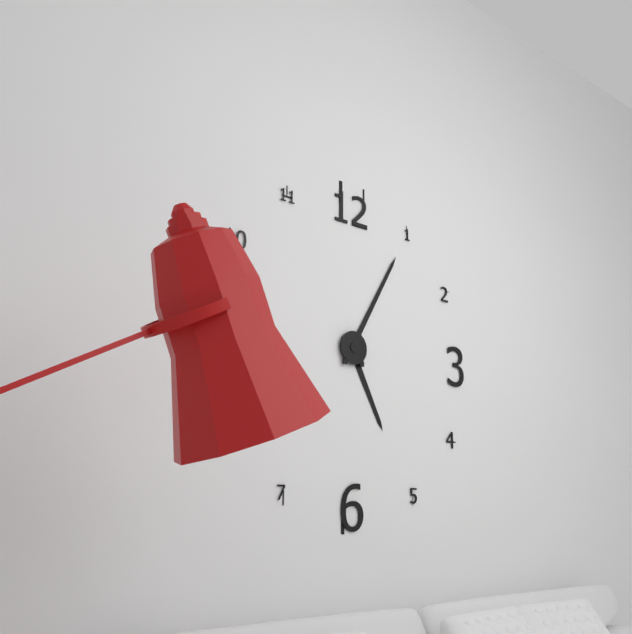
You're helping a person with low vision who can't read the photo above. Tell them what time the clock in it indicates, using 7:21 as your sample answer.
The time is 5:05
